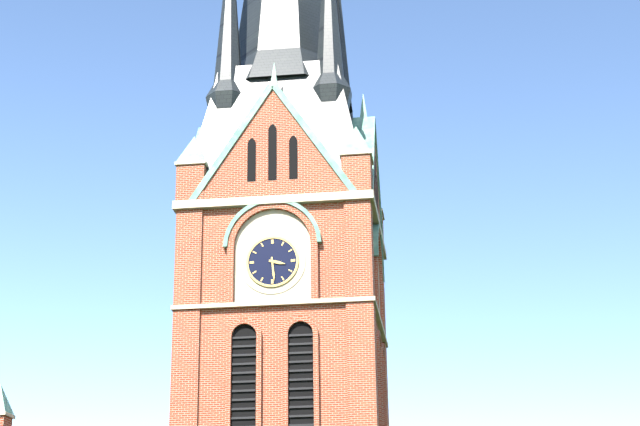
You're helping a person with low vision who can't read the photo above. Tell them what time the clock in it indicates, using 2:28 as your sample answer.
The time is 3:29
